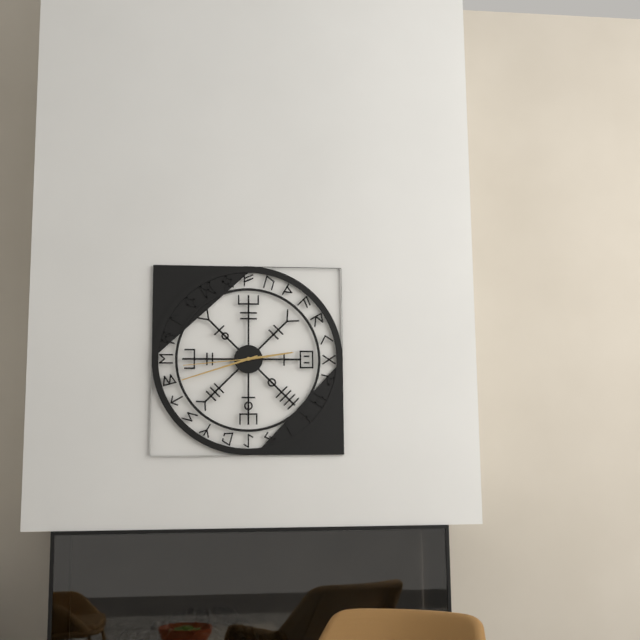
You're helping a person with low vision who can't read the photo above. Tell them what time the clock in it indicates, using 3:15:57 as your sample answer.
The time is 2:42:44
